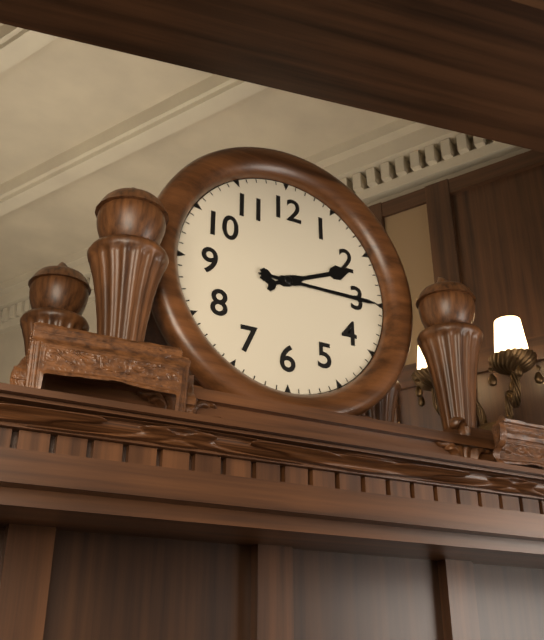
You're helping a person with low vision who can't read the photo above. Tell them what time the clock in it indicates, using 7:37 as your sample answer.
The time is 2:15
